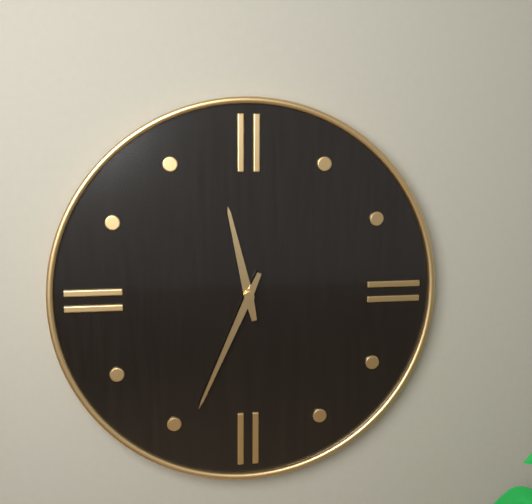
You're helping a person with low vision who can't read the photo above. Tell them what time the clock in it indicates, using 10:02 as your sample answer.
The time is 11:34
